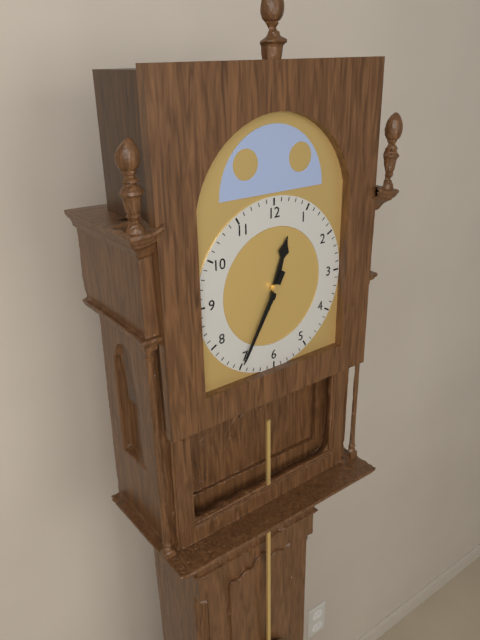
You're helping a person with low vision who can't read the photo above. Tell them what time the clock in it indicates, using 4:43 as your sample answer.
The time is 12:35
